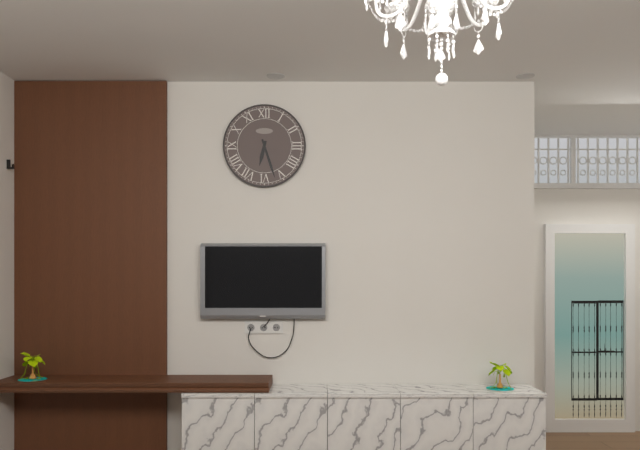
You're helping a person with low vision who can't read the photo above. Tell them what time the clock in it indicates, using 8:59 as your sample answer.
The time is 6:27
